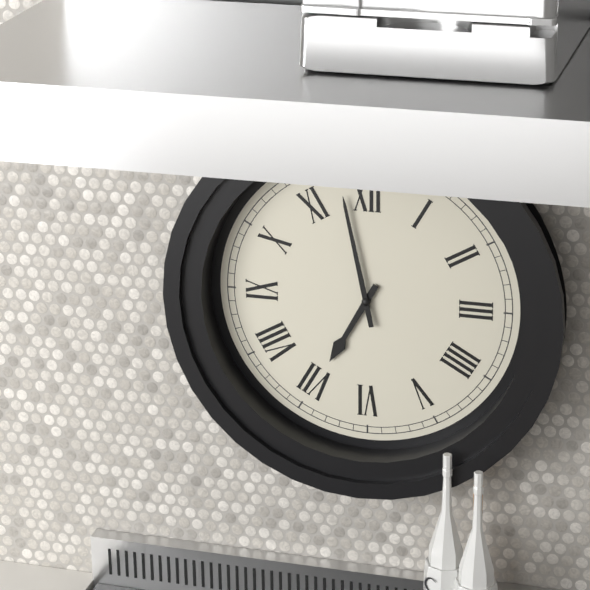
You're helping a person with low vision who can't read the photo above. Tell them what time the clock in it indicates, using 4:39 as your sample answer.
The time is 6:58
